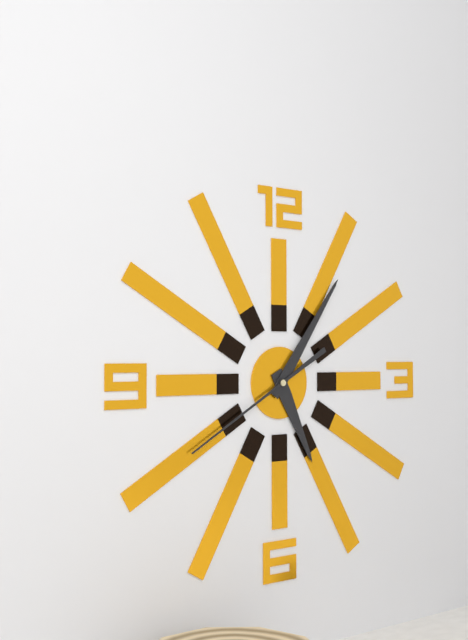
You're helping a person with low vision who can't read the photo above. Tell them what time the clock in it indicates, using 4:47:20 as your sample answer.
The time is 5:06:40
